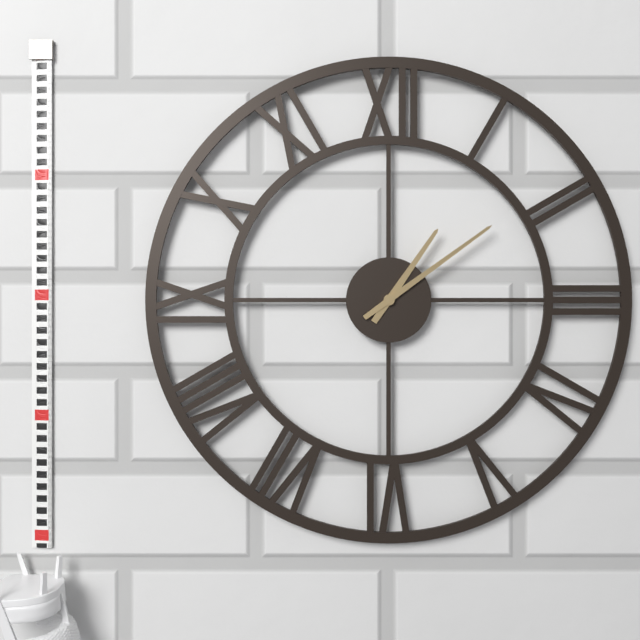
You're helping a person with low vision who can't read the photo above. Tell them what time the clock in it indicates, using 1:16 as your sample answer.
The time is 1:09
